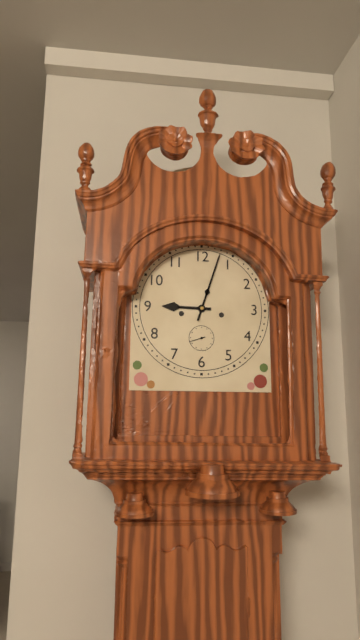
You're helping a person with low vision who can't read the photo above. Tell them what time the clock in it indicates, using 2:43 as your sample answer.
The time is 9:03
